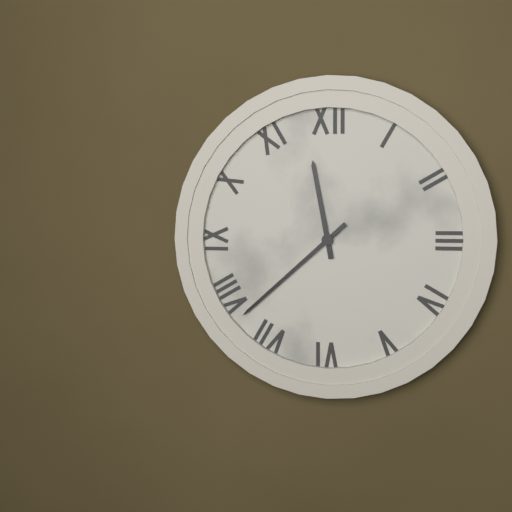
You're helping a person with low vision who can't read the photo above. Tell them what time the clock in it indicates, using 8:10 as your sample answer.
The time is 11:38
